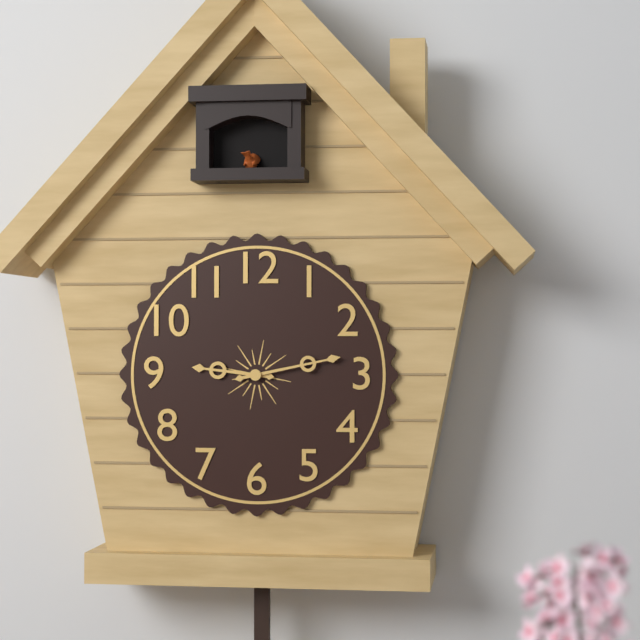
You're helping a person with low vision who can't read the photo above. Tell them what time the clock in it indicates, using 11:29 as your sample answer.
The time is 9:13
